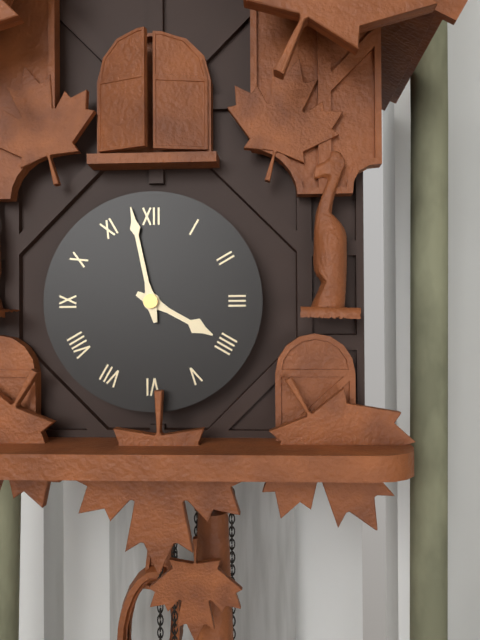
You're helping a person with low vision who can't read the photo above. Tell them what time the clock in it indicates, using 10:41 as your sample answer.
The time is 3:58
